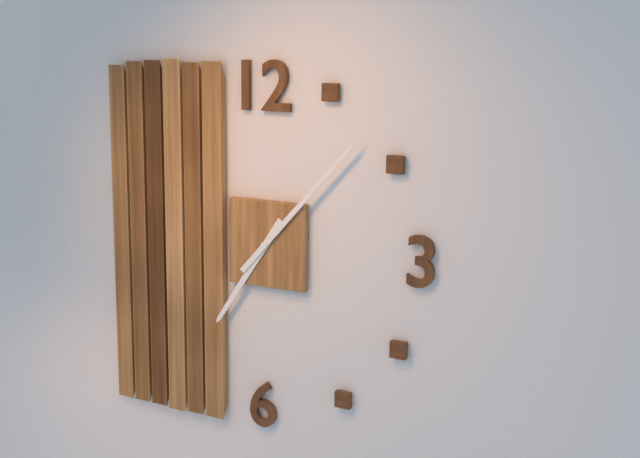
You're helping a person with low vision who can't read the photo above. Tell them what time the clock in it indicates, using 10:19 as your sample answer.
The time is 7:07
